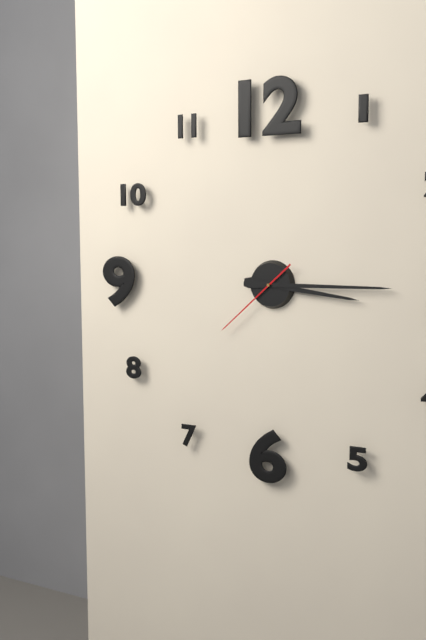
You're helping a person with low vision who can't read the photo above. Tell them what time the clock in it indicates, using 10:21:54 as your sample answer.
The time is 3:15:38
